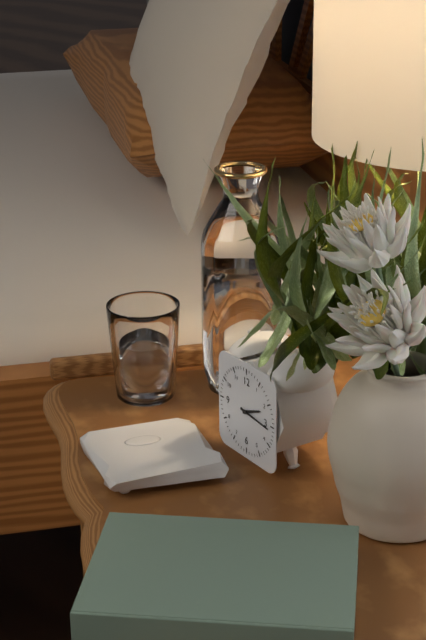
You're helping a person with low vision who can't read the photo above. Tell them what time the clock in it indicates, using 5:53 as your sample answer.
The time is 2:16
